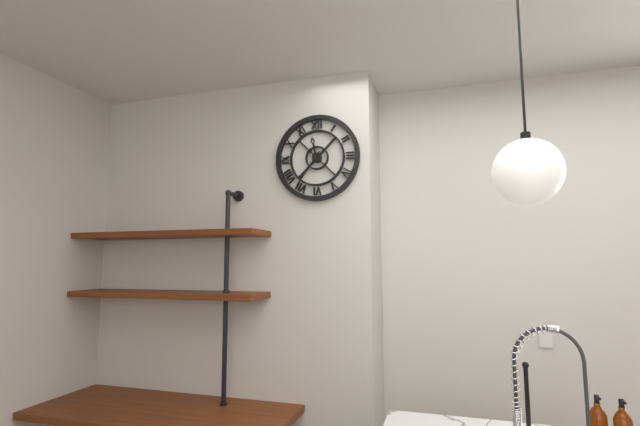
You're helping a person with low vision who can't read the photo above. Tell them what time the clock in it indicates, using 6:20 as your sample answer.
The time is 11:36
